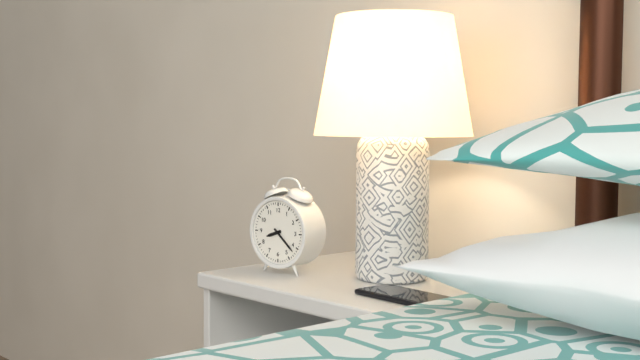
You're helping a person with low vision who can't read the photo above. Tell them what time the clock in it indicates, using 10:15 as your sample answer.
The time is 8:22
